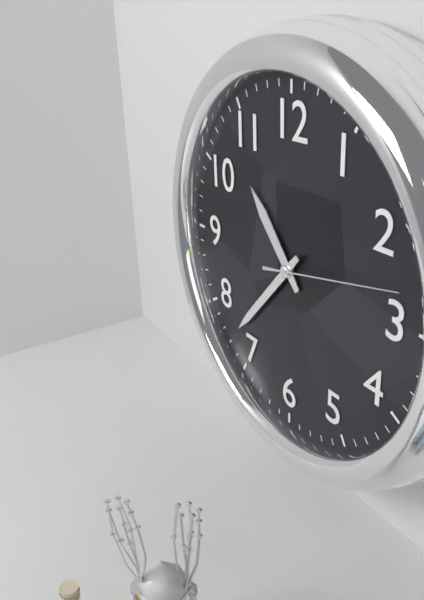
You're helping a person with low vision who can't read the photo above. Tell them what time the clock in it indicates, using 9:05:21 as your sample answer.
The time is 10:37:13
